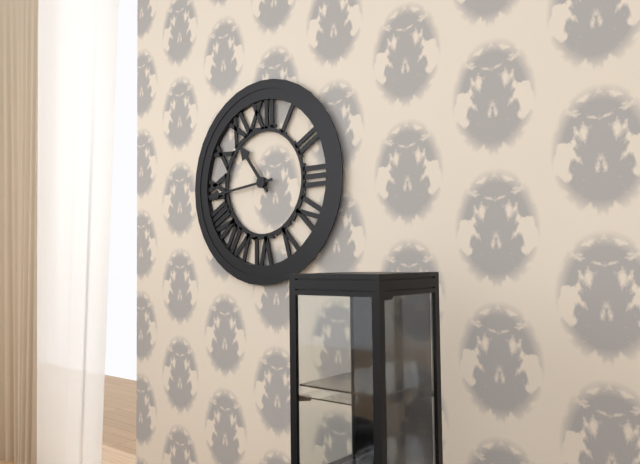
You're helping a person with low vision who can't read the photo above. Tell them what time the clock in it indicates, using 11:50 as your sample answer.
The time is 10:44
